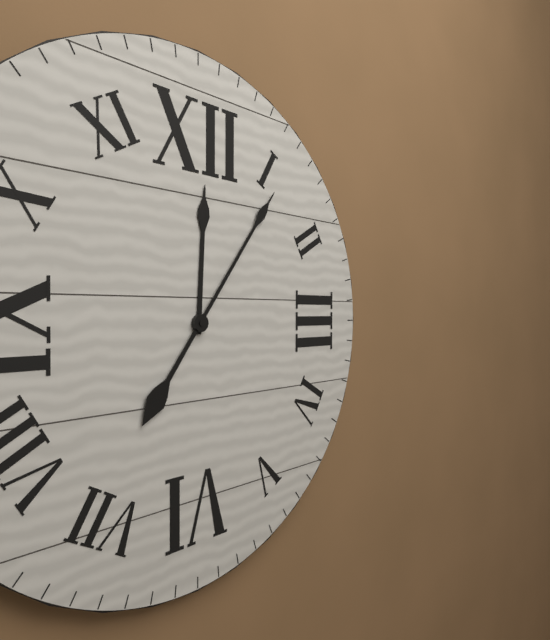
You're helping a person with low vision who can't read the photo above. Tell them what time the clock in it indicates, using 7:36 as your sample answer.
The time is 12:06
